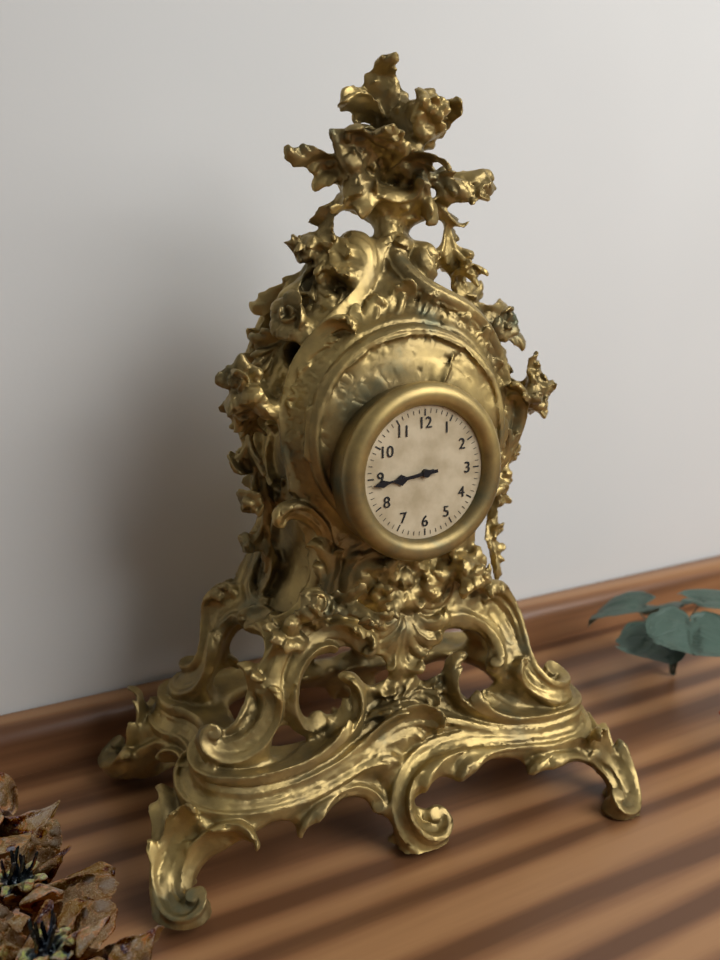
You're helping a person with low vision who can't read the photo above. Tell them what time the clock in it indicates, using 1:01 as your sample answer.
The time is 8:44
